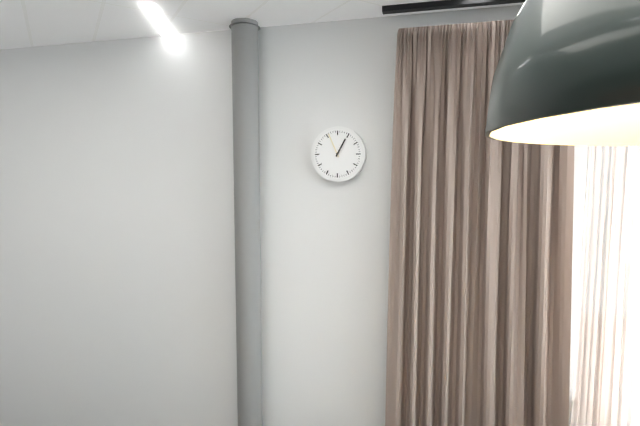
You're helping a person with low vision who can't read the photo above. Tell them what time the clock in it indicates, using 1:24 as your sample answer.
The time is 12:56
